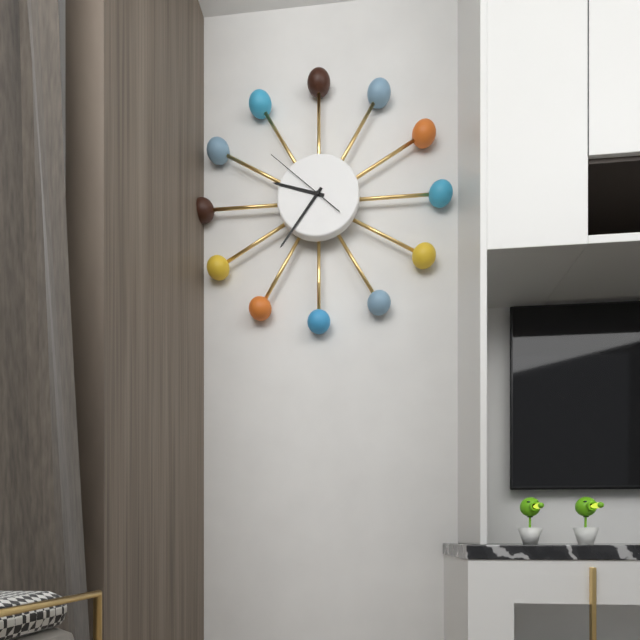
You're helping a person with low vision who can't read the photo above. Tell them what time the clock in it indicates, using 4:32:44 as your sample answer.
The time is 9:36:52
